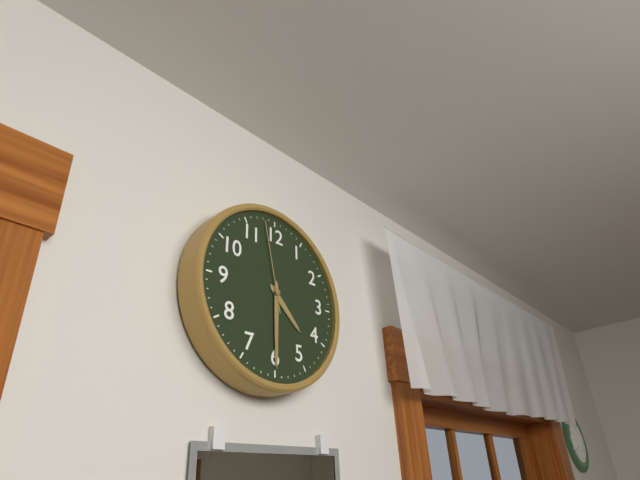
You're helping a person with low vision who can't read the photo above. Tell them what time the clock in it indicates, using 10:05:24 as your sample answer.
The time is 4:30:58
